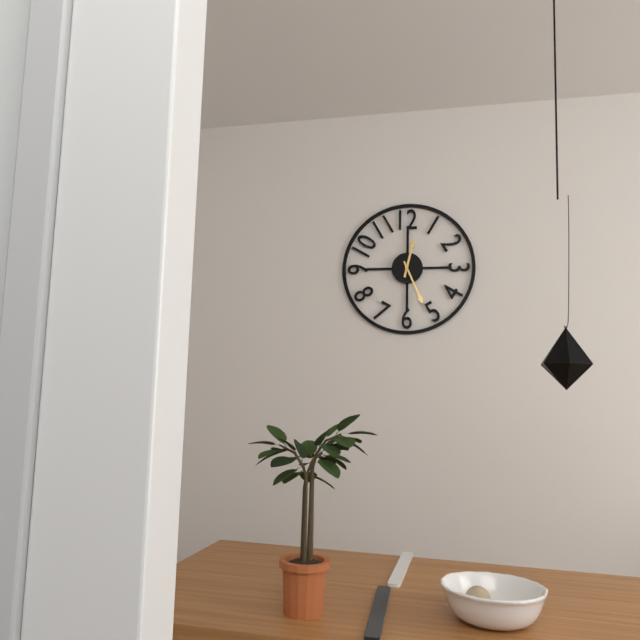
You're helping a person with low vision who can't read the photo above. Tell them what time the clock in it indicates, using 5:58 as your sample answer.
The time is 12:26
